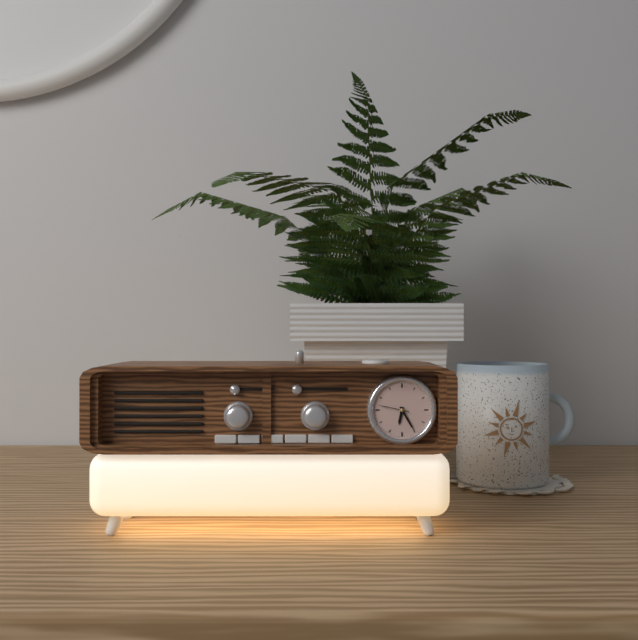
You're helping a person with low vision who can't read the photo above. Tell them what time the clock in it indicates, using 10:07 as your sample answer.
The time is 6:25
